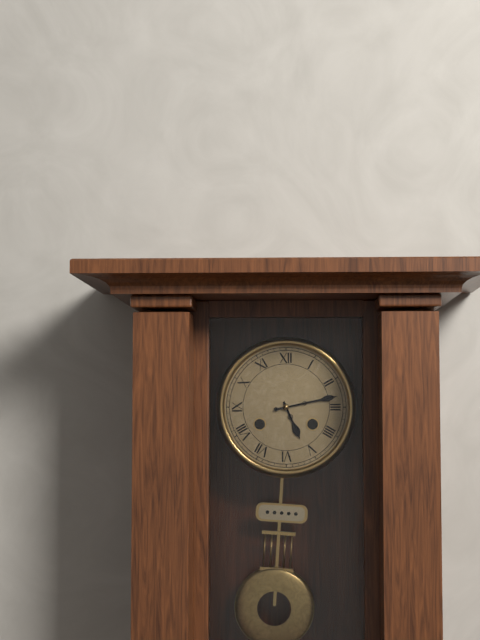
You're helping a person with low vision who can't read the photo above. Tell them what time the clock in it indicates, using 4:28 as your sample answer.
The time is 5:13
